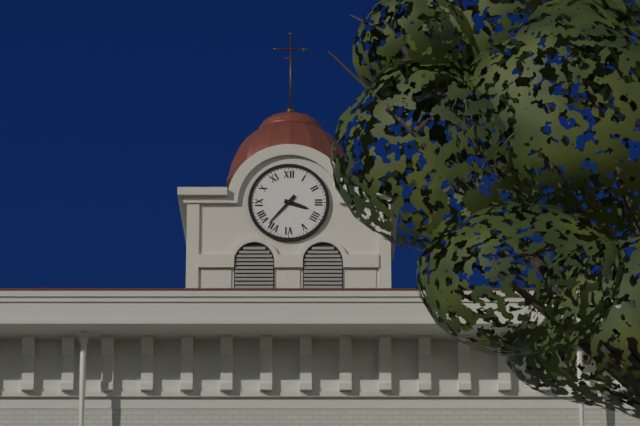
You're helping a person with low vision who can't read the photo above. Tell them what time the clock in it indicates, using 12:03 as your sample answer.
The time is 3:37
